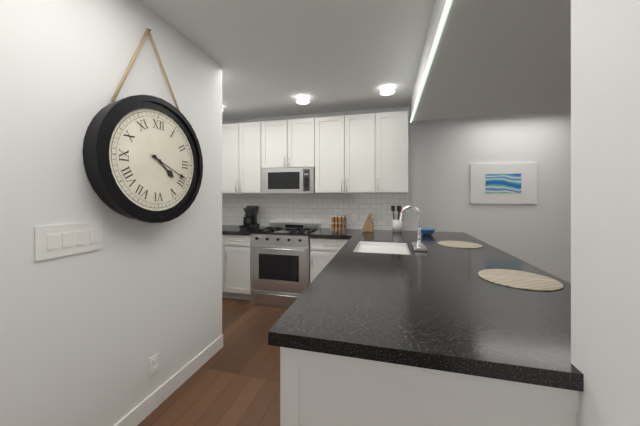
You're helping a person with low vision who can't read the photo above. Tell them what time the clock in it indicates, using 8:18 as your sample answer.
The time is 4:19
